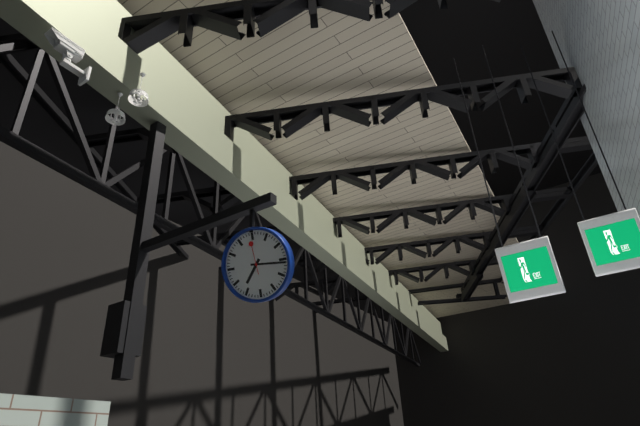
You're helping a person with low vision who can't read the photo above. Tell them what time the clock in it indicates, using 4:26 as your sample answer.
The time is 7:16
